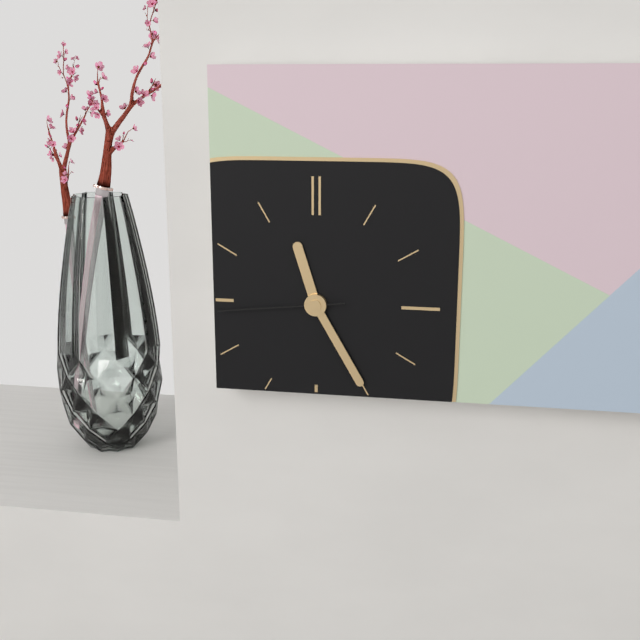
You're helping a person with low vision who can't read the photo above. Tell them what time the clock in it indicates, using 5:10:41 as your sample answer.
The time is 11:25:44
